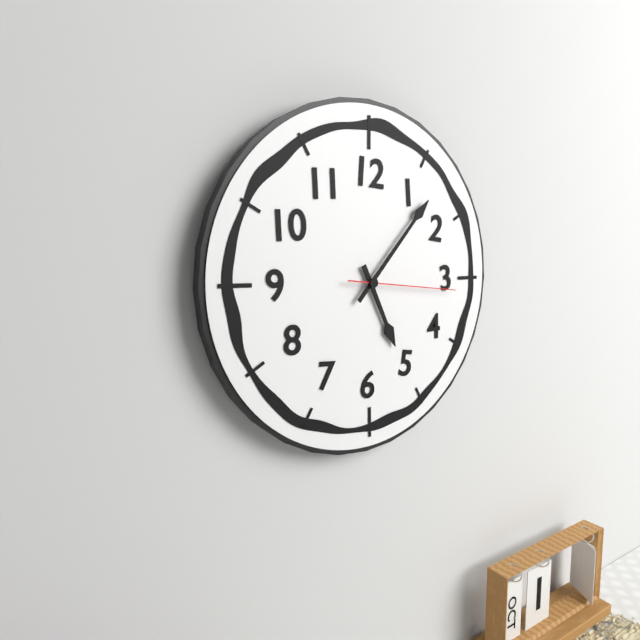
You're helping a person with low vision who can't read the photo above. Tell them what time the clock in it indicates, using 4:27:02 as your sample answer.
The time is 5:07:16
